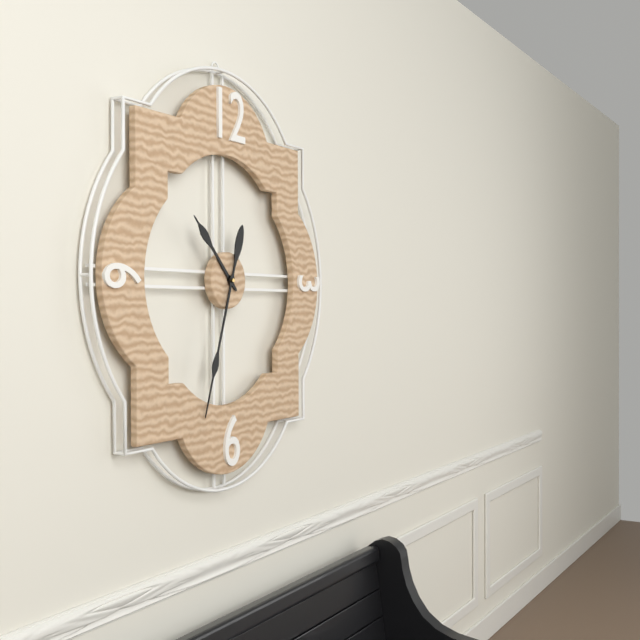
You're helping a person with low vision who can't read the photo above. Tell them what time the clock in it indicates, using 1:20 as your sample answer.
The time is 10:33
